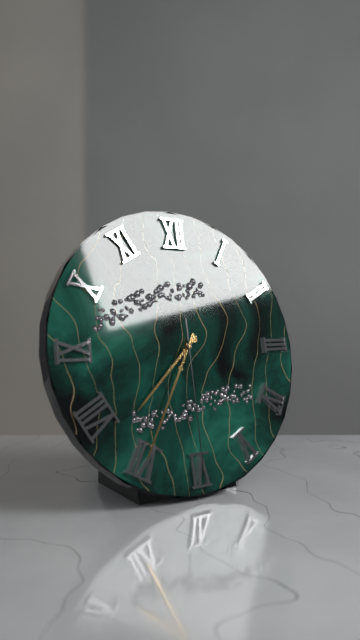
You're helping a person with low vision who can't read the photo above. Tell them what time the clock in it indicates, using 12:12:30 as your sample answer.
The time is 7:35:30
